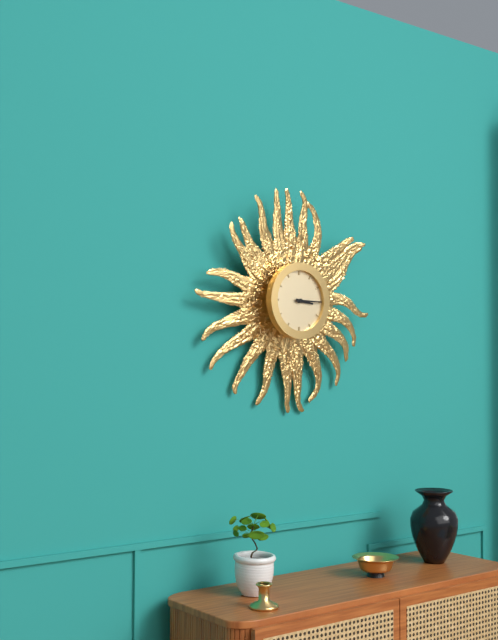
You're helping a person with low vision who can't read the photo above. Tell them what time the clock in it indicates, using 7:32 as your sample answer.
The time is 3:15
